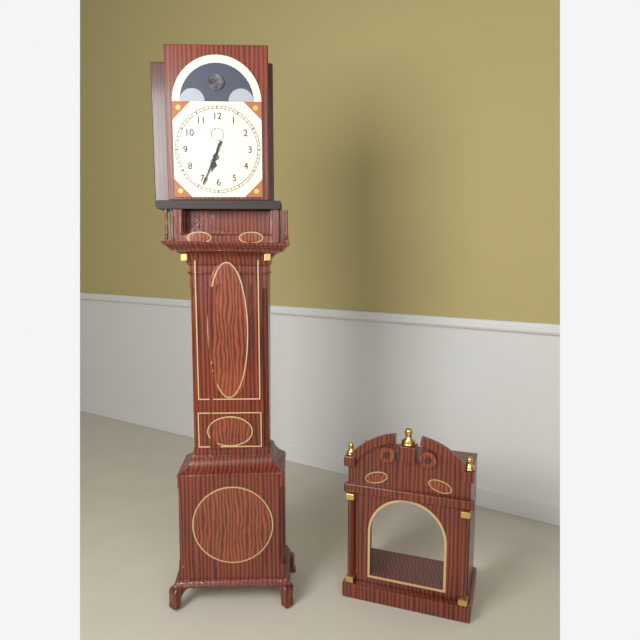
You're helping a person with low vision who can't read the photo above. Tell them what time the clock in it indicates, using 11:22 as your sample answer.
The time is 6:34
